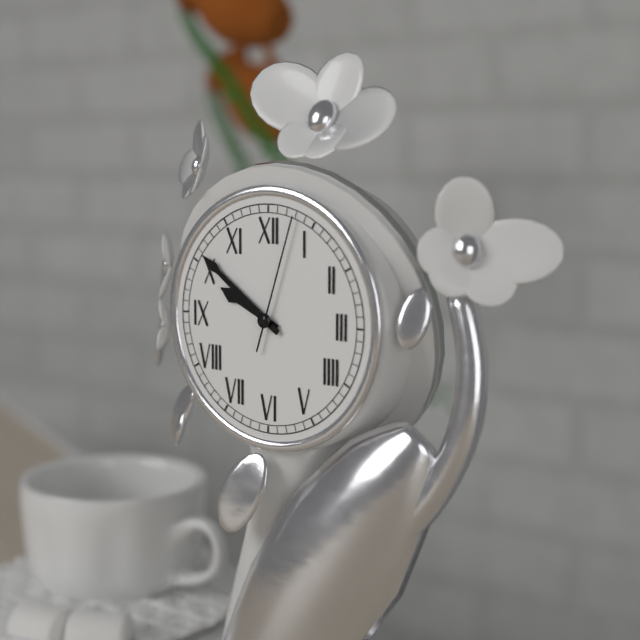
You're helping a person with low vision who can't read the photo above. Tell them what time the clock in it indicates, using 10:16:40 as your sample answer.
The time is 9:51:03
